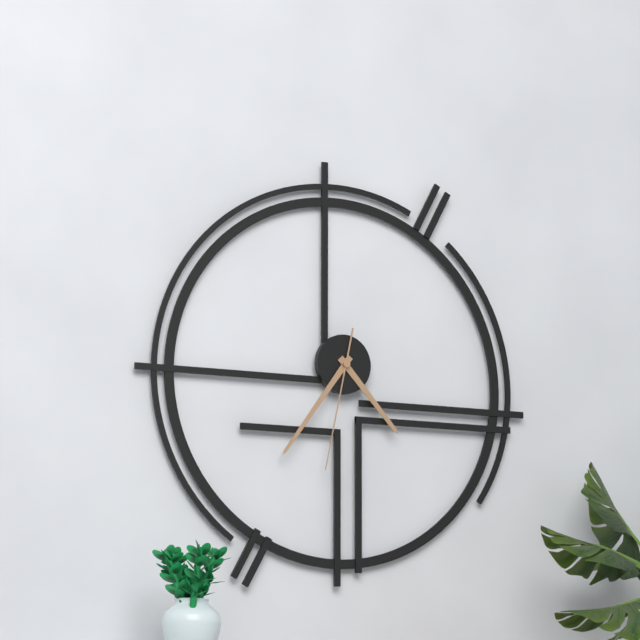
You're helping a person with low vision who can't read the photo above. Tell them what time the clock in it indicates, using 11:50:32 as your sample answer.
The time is 4:36:32
